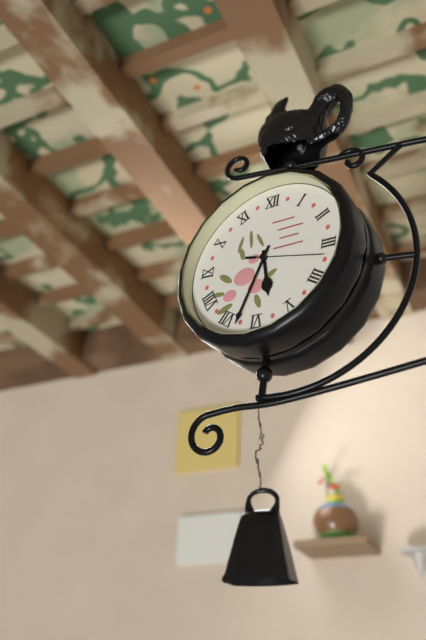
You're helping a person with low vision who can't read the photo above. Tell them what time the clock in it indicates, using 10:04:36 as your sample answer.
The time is 5:33:17
